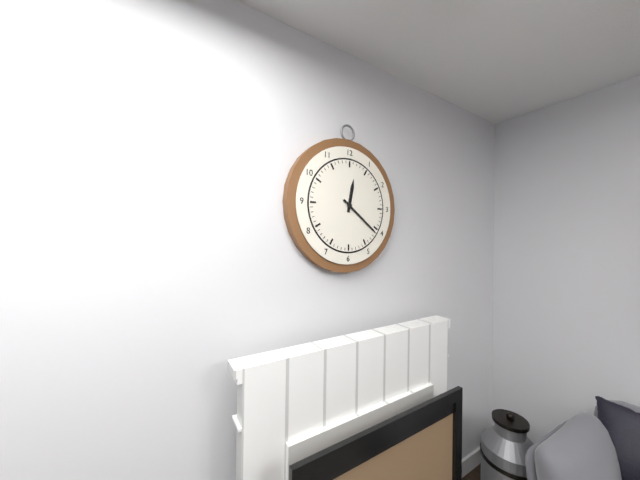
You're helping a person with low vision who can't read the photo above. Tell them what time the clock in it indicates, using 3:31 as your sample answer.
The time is 12:21
